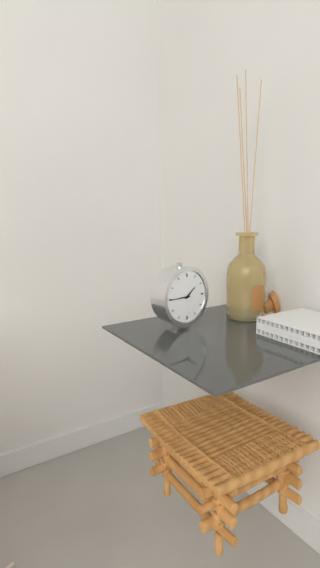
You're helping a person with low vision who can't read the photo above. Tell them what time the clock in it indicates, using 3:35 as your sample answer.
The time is 1:45
